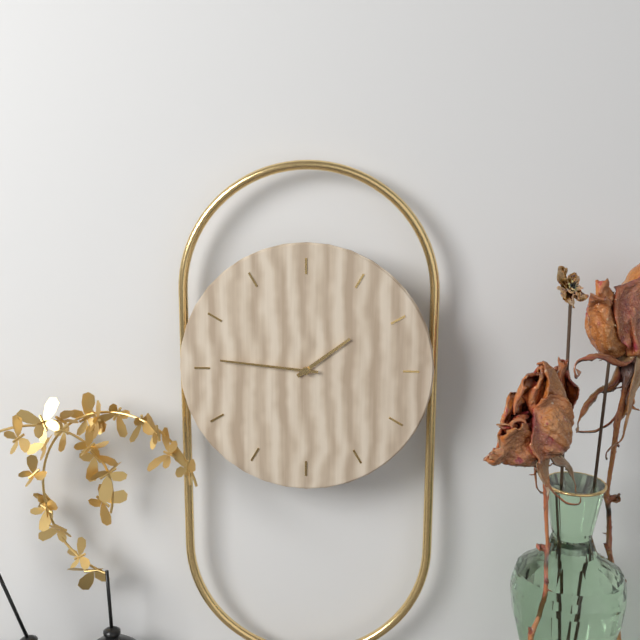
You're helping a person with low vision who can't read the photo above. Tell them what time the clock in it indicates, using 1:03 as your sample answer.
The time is 1:46
